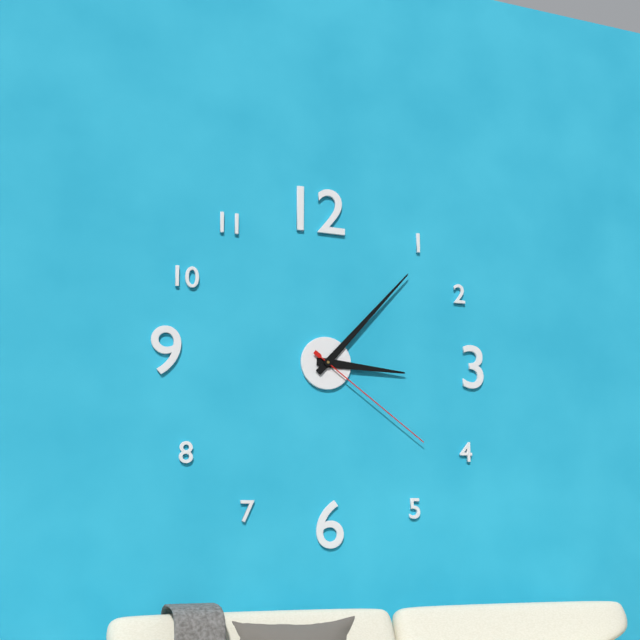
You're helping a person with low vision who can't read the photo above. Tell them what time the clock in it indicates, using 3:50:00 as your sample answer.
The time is 3:07:21
